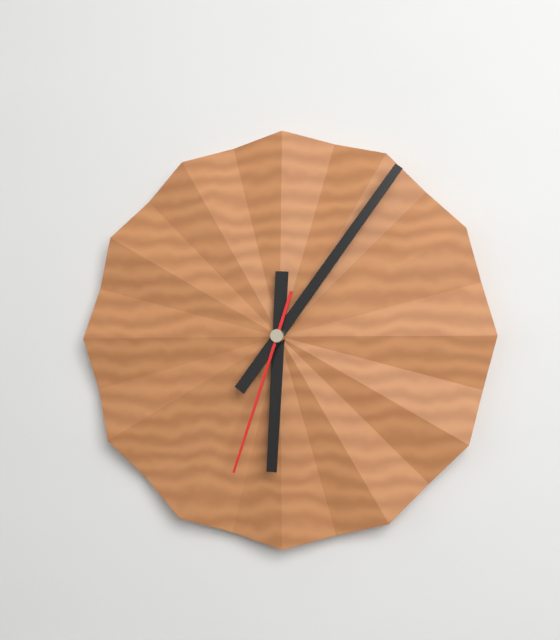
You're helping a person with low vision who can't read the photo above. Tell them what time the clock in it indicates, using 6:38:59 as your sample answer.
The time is 6:06:33
